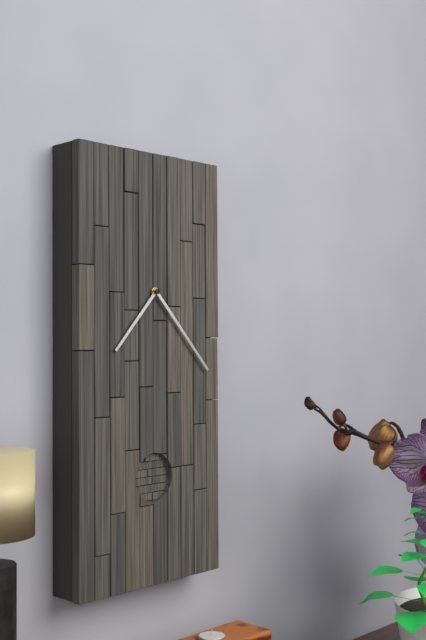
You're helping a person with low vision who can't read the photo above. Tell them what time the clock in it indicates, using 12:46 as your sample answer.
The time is 7:23
